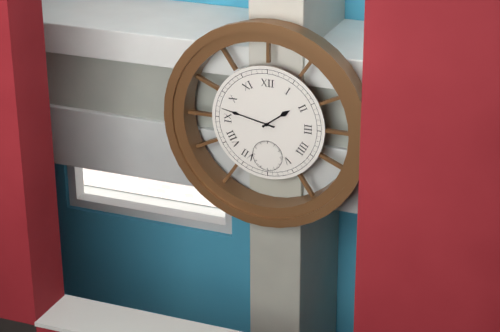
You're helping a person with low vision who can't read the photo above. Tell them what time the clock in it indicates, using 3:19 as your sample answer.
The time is 1:47
